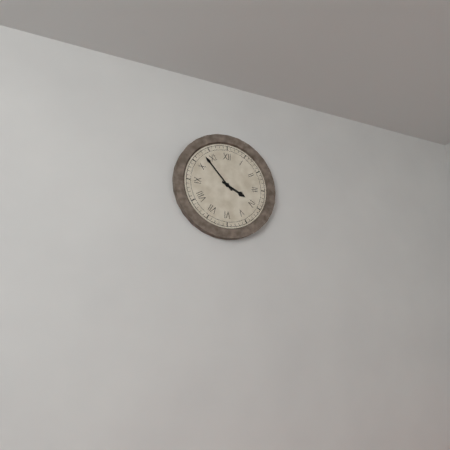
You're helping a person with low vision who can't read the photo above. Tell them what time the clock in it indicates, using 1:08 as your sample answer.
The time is 3:53
